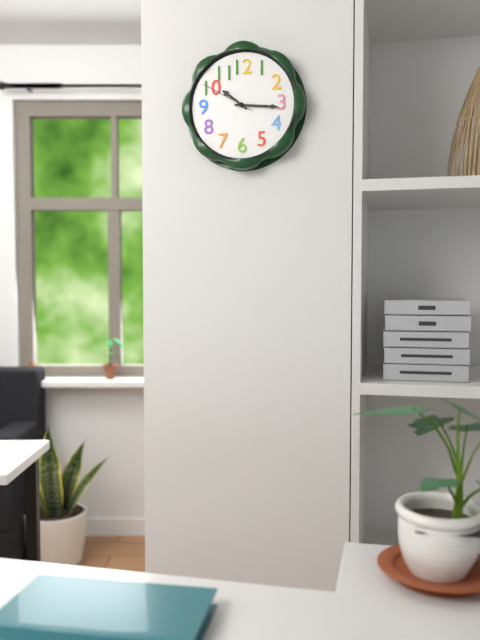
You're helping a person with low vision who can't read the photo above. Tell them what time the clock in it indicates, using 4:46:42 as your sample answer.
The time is 10:16:50
